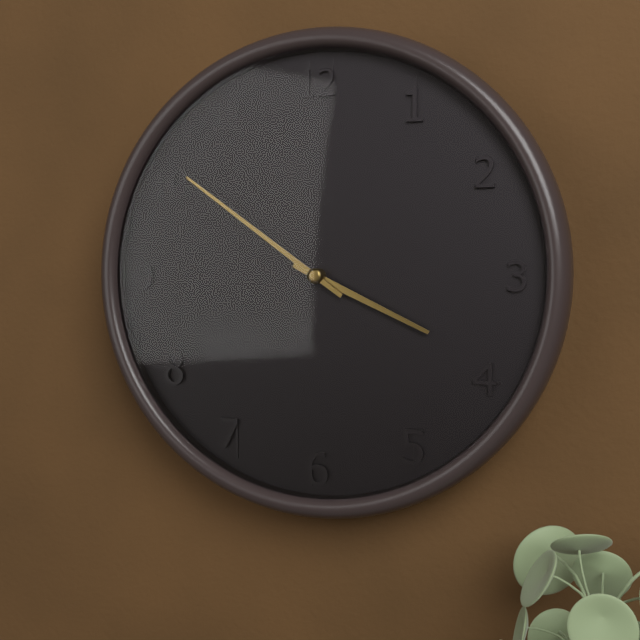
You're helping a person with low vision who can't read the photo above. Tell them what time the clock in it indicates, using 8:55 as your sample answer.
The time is 3:51
